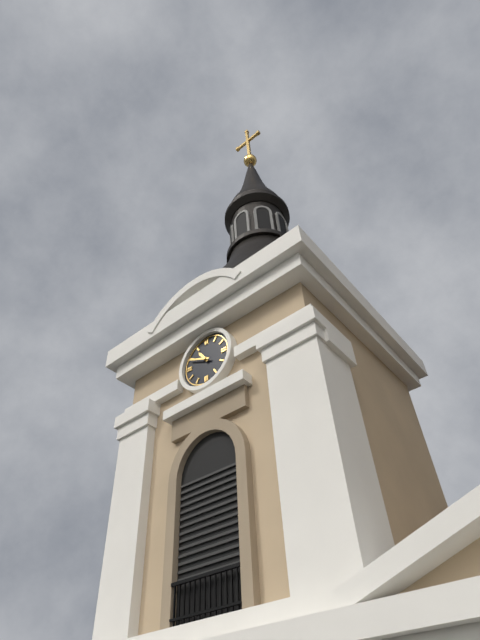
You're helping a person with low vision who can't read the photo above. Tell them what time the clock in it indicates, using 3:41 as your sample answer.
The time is 10:49
